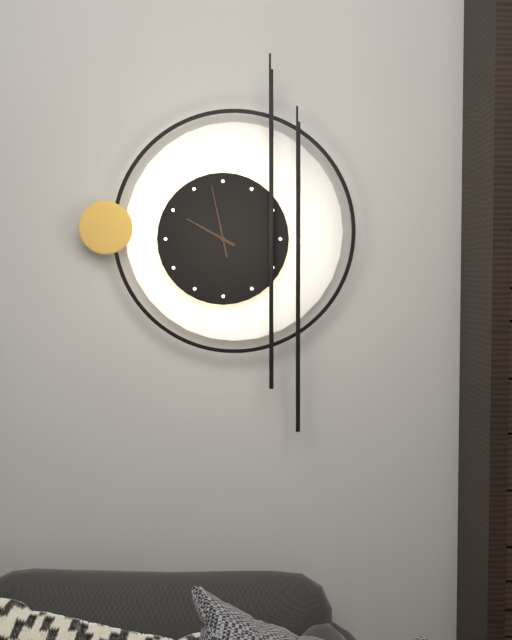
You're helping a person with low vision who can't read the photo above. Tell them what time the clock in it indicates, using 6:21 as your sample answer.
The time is 9:58
